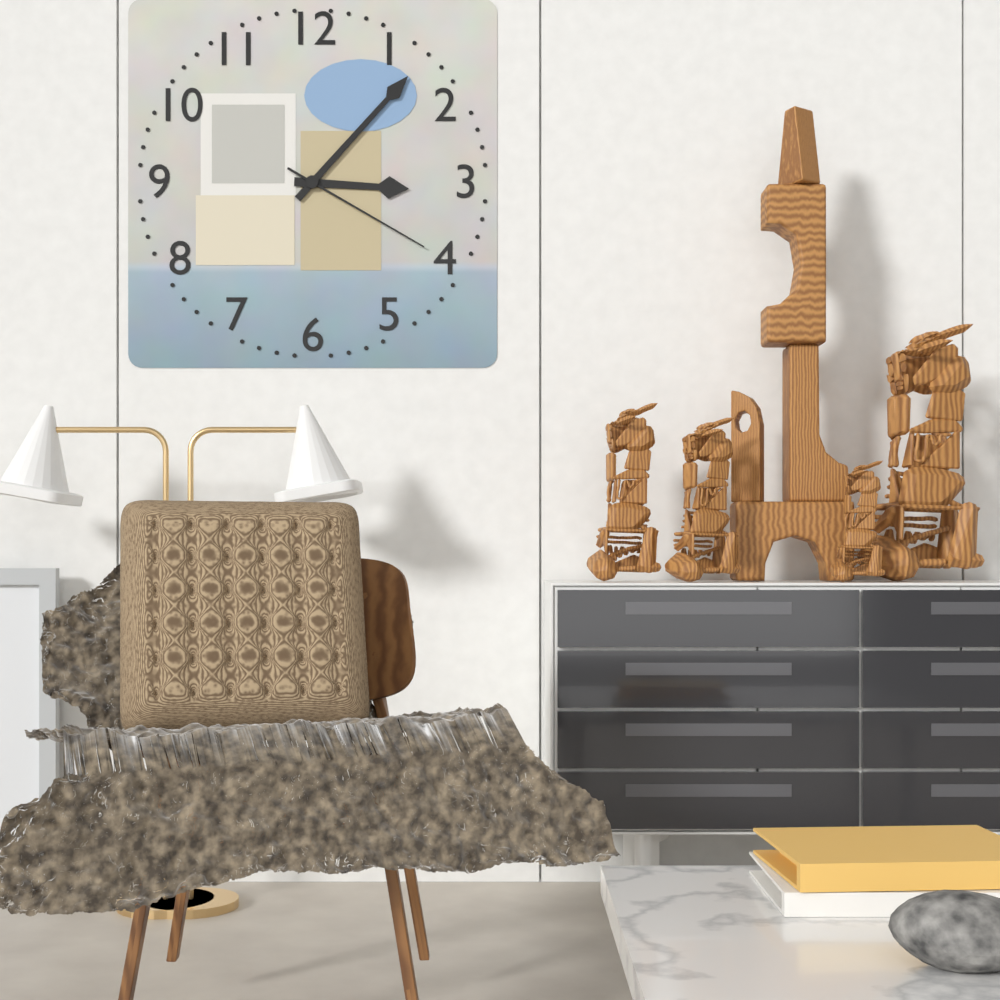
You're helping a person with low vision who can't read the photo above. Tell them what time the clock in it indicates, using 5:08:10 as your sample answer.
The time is 3:07:20
